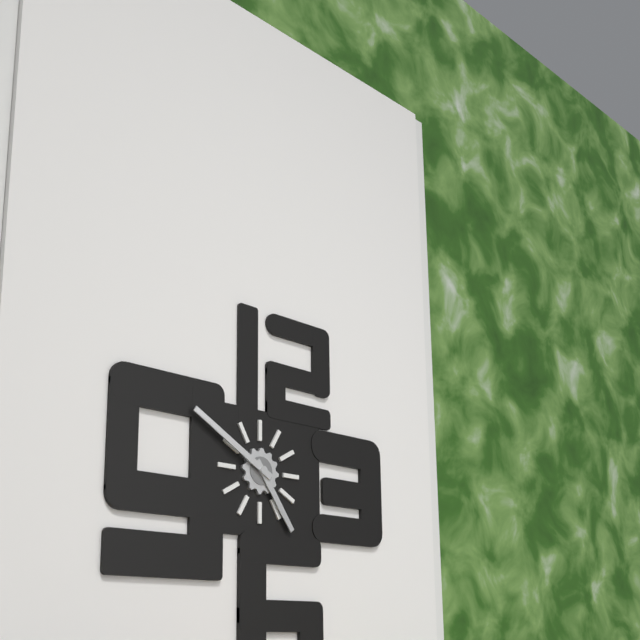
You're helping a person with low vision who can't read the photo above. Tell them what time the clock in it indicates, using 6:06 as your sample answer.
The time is 4:50
